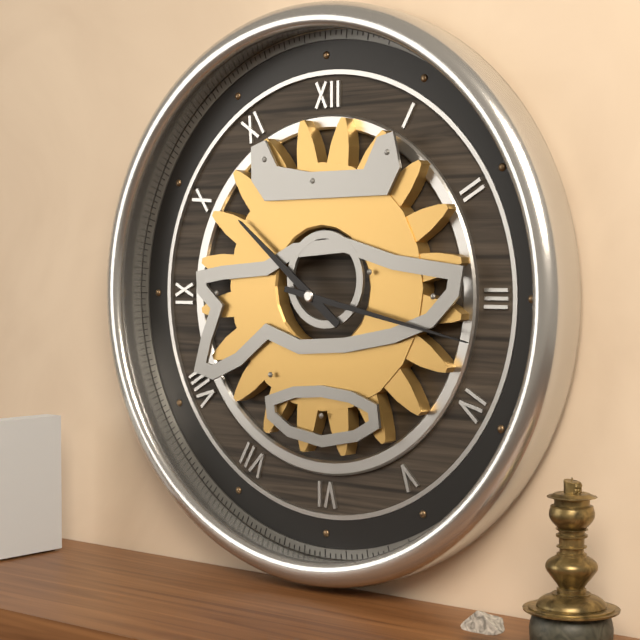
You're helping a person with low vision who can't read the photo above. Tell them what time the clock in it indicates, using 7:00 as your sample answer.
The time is 10:17
